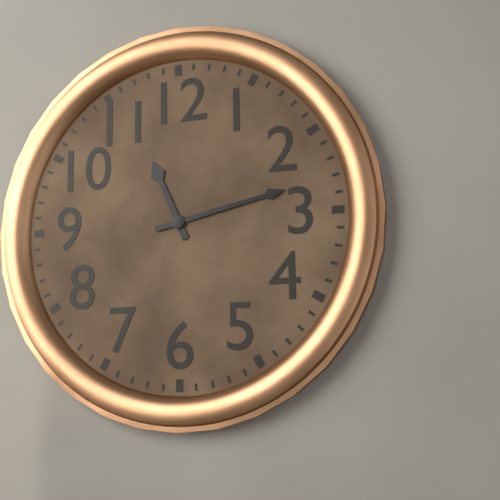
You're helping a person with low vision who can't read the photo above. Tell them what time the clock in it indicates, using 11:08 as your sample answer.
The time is 11:13
